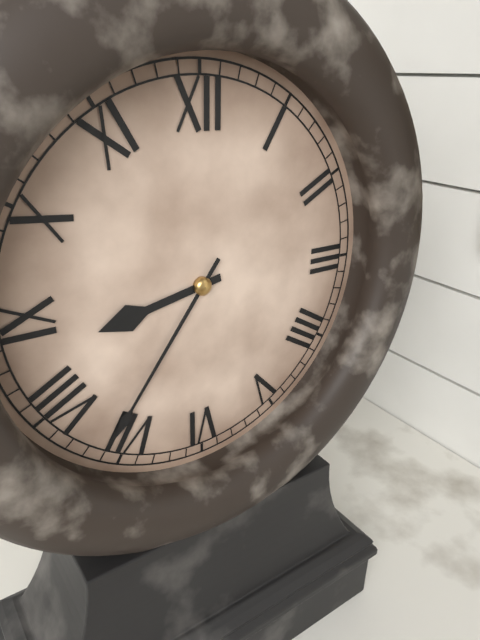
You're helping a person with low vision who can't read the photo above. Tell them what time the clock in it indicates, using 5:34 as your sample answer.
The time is 8:36
